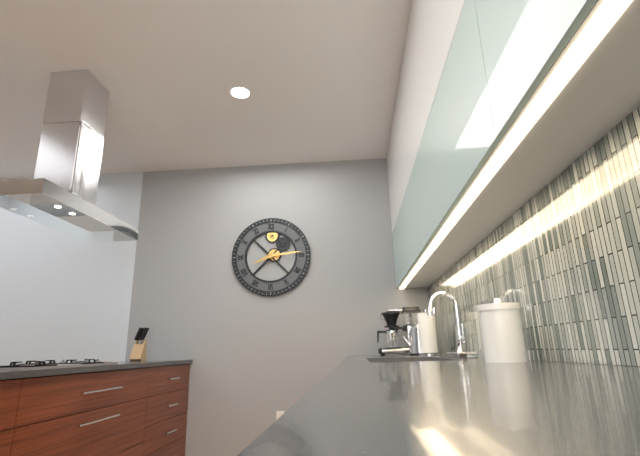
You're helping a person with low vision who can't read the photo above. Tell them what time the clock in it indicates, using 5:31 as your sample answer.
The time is 8:14
